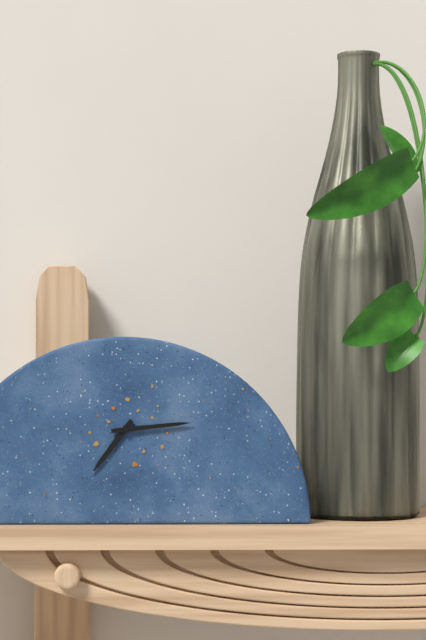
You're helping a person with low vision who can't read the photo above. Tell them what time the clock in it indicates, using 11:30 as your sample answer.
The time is 7:14
